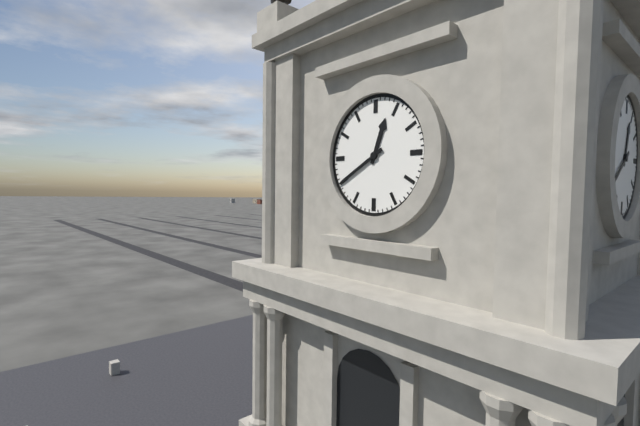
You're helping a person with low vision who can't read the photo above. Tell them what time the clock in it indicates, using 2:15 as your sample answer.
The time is 12:40
